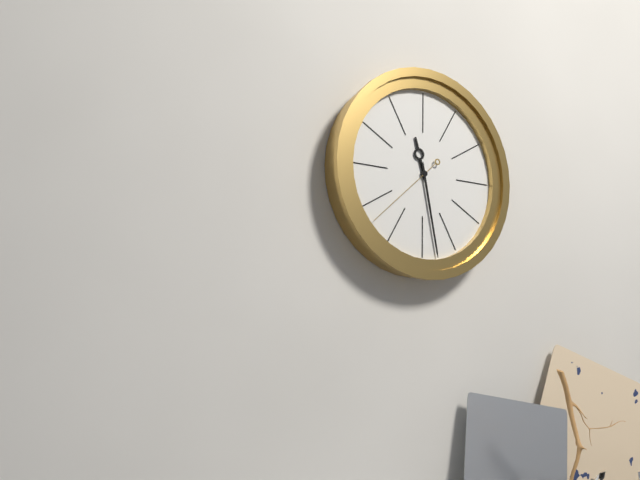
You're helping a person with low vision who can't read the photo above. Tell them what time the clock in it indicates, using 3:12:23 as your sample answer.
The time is 11:28:38
